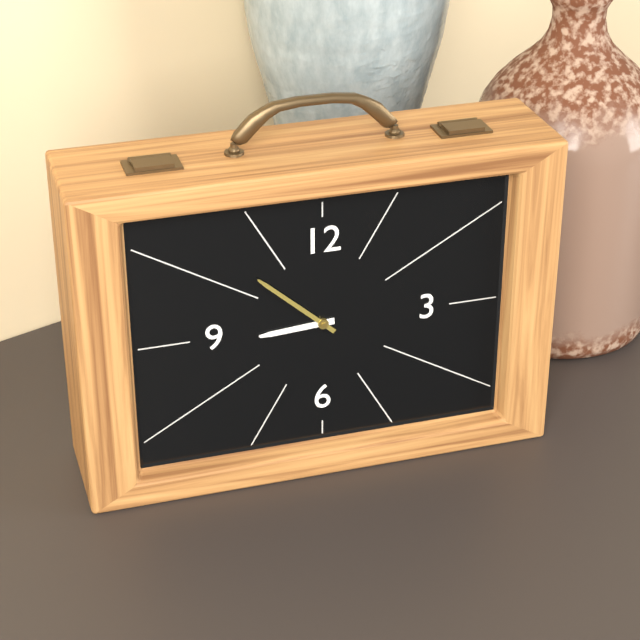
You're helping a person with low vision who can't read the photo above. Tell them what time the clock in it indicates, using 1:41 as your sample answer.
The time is 8:52
